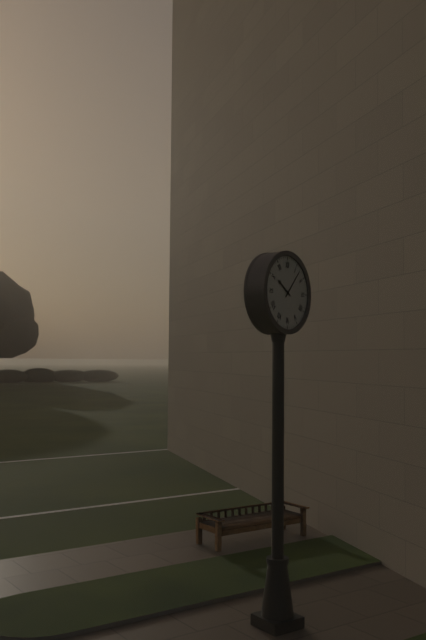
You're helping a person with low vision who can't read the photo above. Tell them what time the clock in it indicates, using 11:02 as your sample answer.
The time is 10:07
